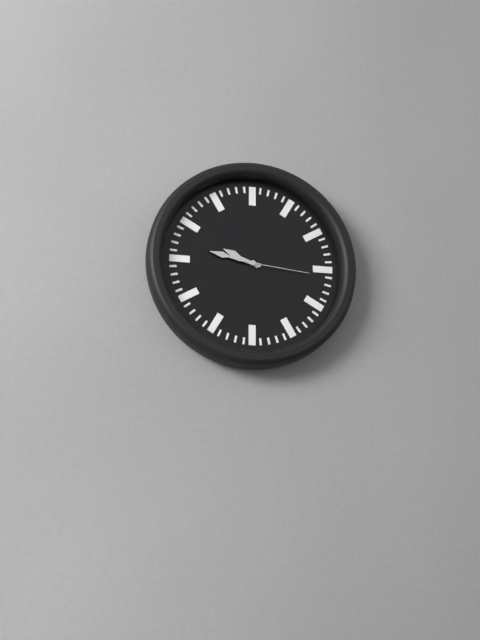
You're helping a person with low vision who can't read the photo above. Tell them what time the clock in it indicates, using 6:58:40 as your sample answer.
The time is 9:47:16
